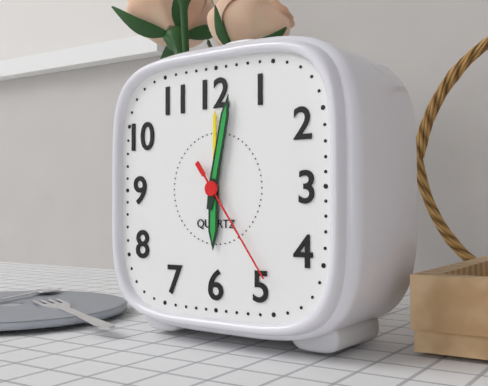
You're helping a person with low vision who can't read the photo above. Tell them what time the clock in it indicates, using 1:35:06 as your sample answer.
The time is 6:02:24
